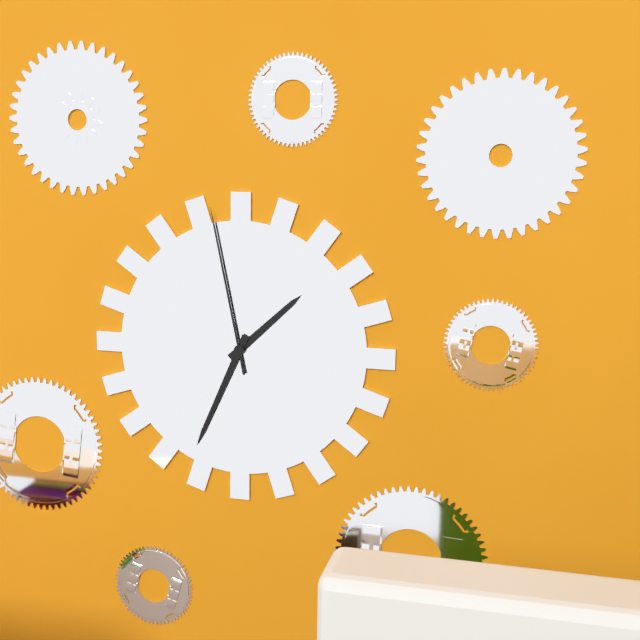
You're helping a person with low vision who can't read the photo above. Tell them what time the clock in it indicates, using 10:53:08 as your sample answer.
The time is 1:34:58
